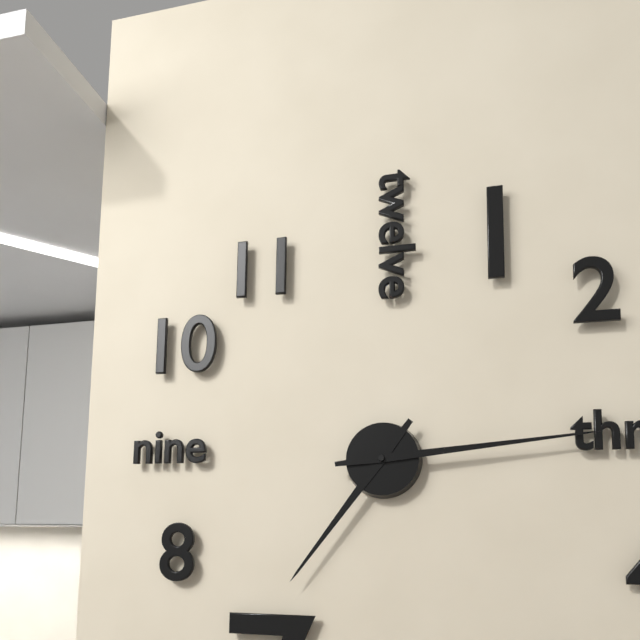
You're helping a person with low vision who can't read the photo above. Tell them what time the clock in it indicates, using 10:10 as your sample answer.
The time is 7:14
